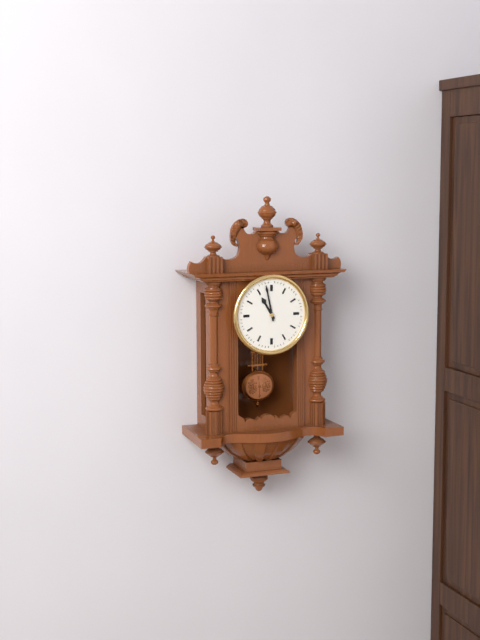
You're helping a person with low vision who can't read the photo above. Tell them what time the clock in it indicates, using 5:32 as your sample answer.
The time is 10:58
